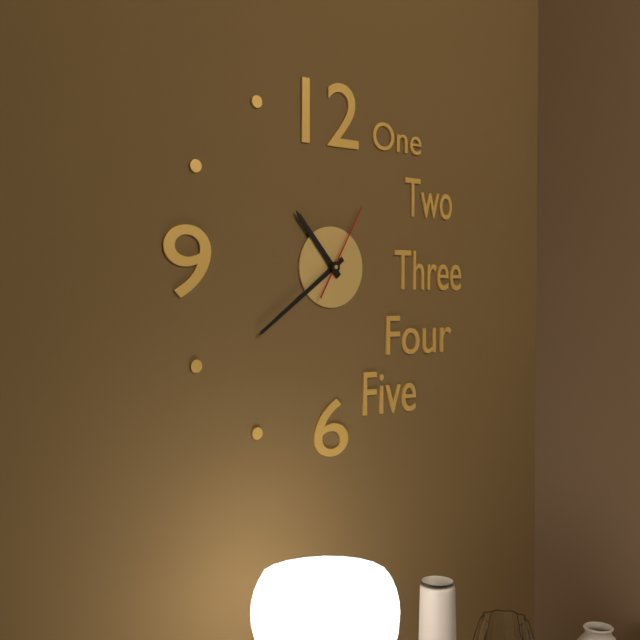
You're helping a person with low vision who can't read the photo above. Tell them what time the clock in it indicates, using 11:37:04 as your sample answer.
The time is 10:39:05
